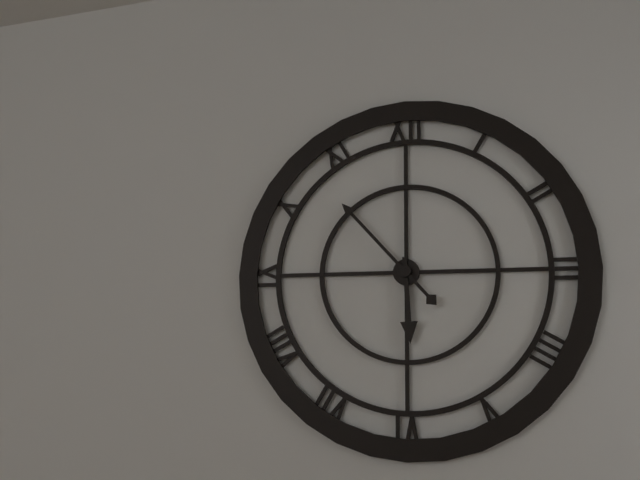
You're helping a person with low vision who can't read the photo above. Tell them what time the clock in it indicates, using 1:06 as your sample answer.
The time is 5:53
